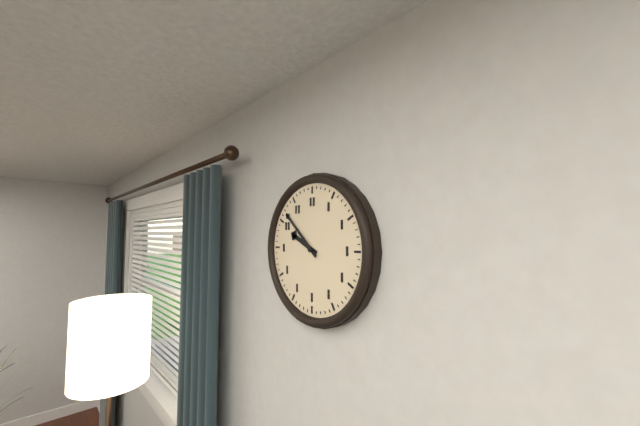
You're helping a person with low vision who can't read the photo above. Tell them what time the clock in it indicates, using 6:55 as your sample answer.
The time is 9:52
